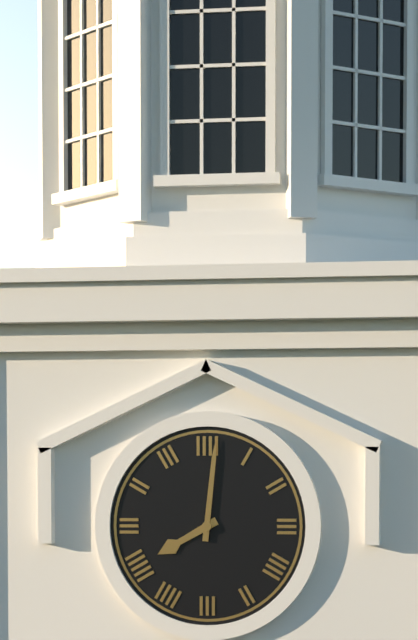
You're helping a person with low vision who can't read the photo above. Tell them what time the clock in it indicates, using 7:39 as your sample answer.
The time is 8:01
